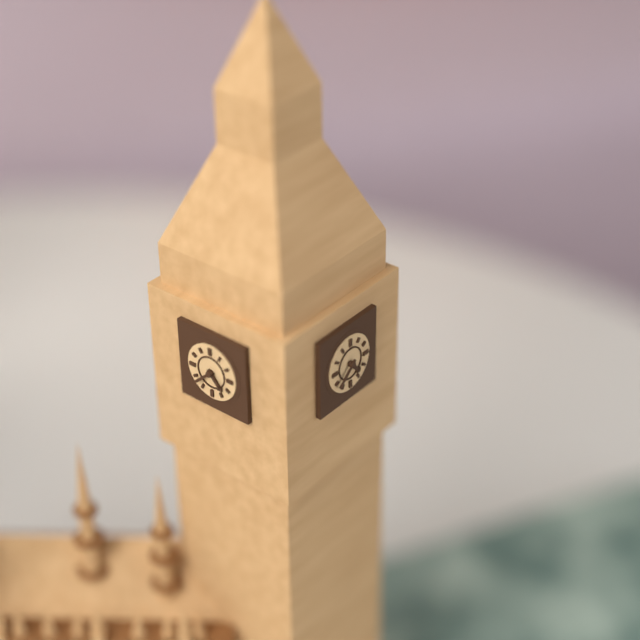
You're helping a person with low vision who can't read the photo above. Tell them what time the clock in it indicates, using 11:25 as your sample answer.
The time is 4:38
